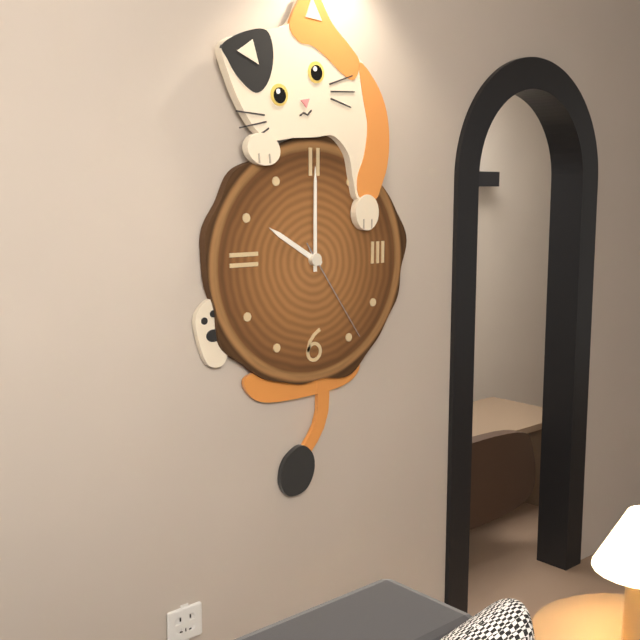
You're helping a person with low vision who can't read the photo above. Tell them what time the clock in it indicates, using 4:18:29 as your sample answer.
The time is 10:00:24
